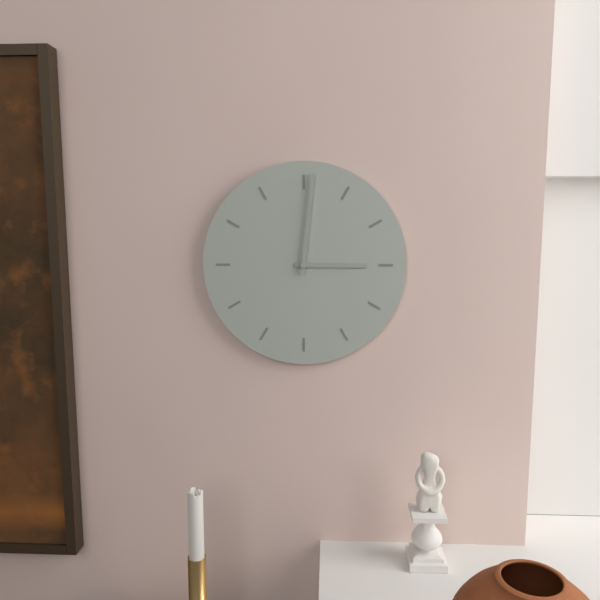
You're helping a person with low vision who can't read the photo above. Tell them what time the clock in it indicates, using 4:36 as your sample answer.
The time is 3:01
